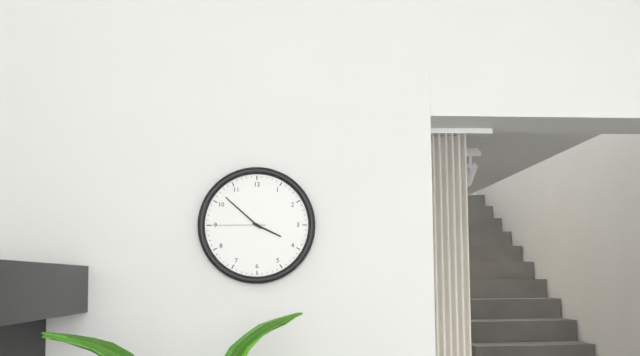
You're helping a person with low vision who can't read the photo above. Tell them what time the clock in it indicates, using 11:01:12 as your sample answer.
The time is 3:52:45
